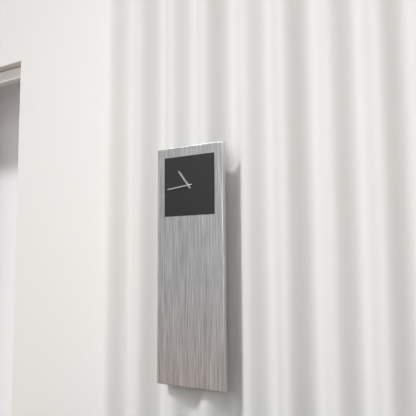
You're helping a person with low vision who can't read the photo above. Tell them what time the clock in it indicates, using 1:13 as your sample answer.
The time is 10:44
